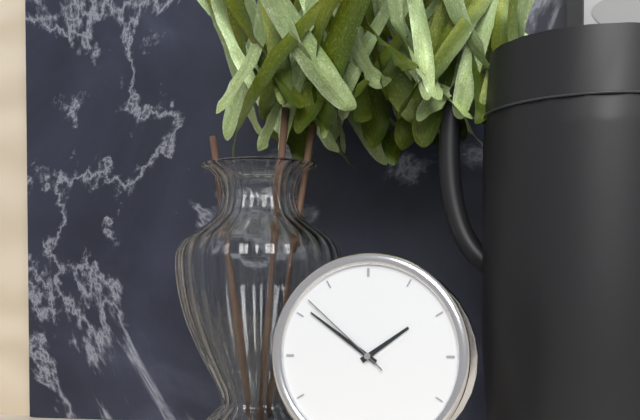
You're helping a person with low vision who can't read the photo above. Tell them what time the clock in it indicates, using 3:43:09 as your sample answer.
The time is 1:51:52
